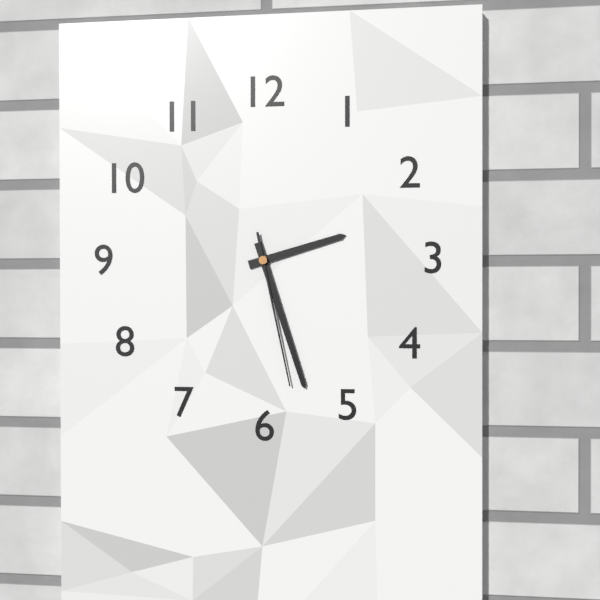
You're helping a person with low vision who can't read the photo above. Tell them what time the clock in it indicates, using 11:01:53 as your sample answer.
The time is 2:27:28
